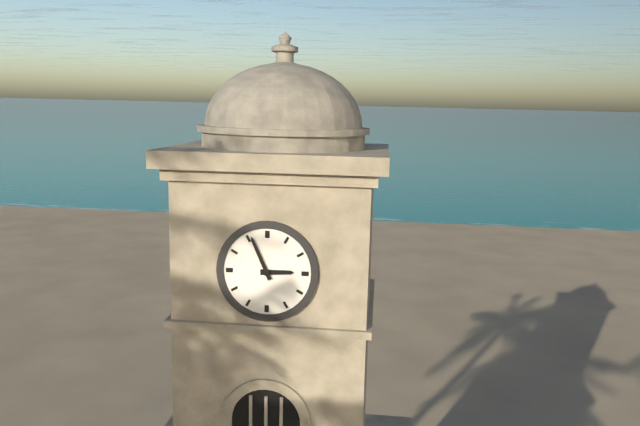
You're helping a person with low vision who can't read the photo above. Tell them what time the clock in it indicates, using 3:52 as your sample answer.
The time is 2:56
